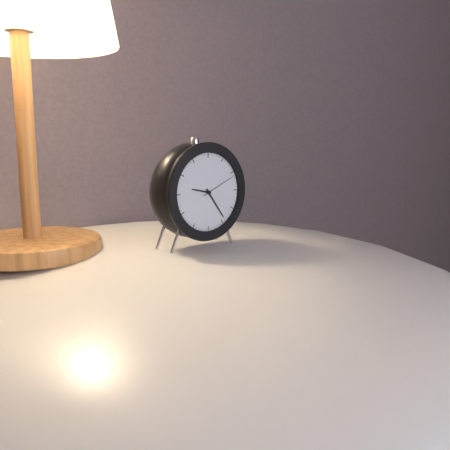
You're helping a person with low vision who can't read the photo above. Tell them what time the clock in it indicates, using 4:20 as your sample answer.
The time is 9:24
